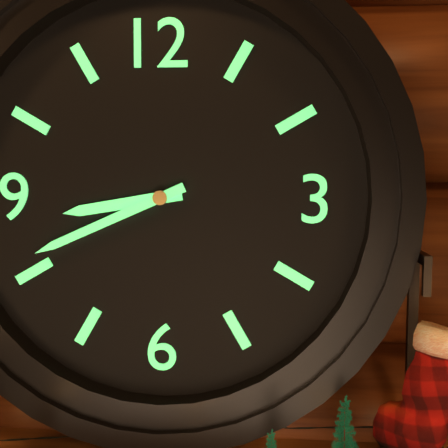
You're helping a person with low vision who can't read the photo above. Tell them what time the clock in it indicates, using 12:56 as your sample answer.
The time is 8:41
